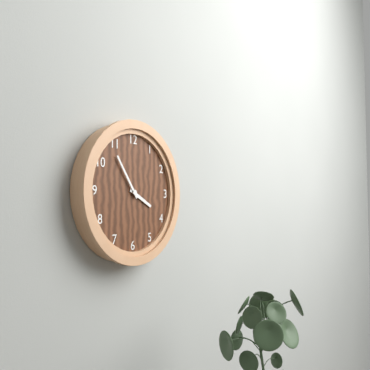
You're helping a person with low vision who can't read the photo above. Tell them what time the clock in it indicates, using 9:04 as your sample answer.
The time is 3:54
